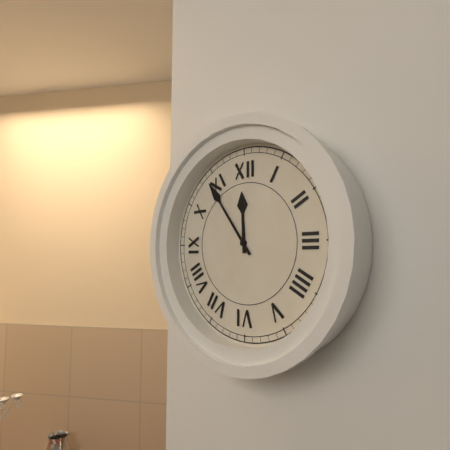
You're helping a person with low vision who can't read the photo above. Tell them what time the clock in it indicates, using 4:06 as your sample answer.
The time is 11:54
